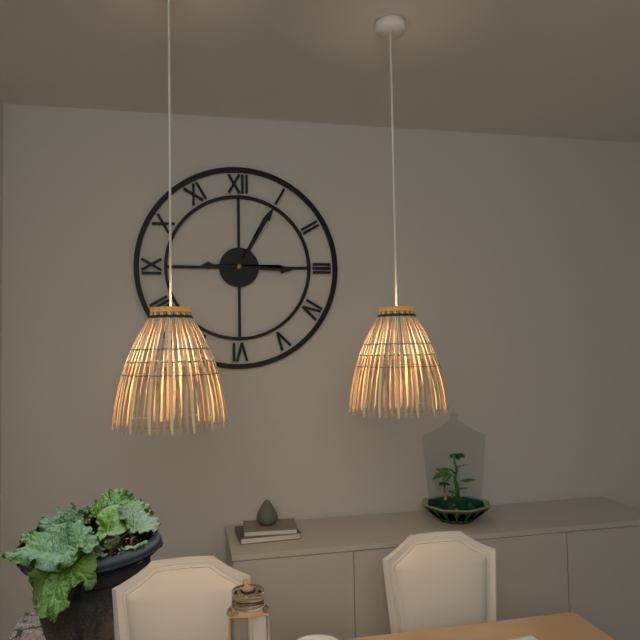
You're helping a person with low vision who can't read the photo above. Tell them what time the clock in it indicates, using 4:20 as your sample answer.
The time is 3:05
